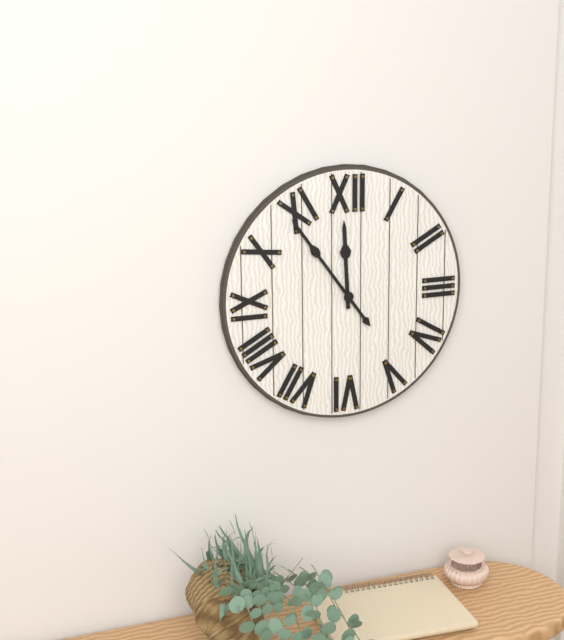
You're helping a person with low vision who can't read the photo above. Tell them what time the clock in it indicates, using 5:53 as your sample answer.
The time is 11:54
